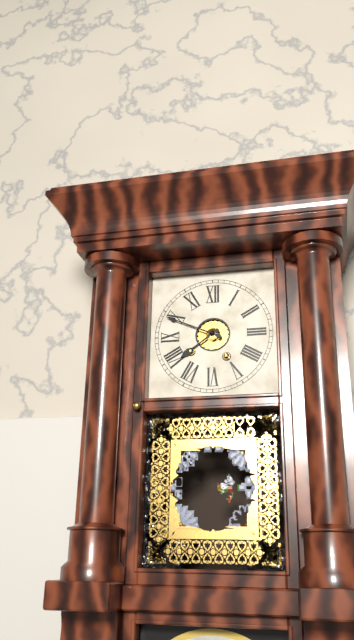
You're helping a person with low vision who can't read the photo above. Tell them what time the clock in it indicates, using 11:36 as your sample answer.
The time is 7:49
